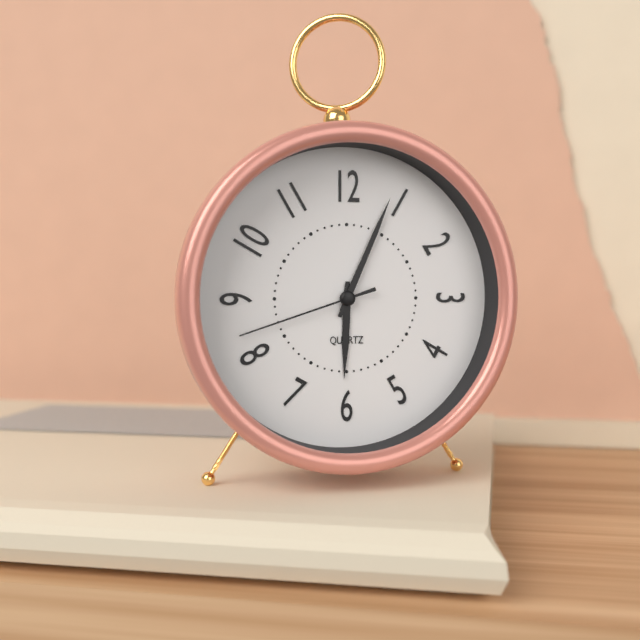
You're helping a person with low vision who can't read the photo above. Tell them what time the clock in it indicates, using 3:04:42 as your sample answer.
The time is 6:04:42
